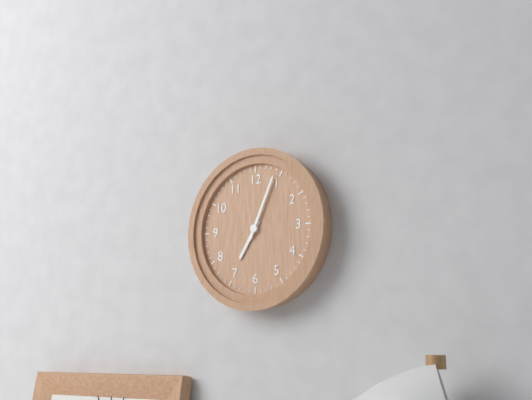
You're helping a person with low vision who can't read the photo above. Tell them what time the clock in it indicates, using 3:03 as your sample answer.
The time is 7:04
